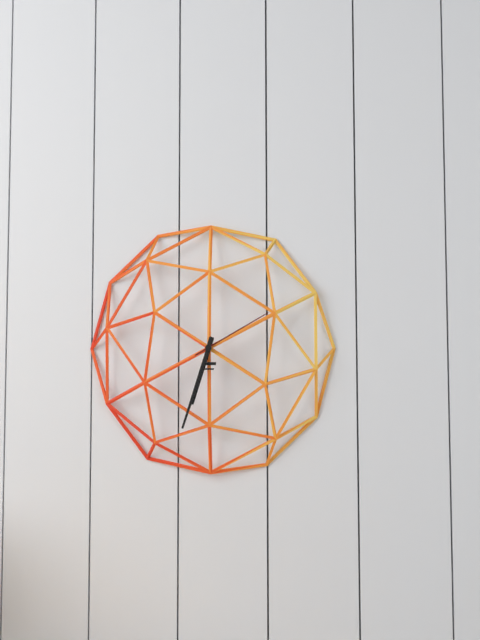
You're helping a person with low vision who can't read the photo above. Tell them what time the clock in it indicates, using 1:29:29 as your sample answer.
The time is 6:33:10
